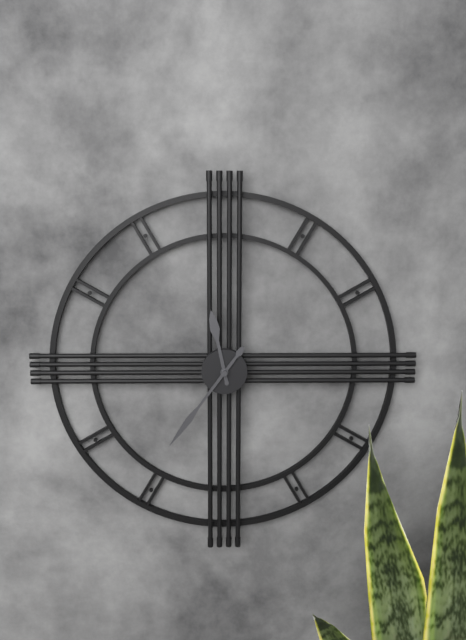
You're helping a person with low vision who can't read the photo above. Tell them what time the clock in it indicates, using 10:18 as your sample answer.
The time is 11:36
